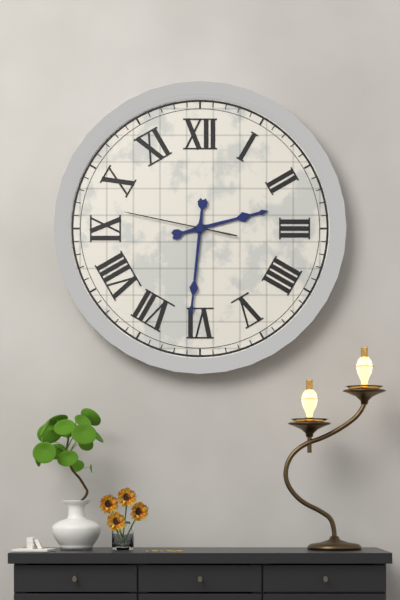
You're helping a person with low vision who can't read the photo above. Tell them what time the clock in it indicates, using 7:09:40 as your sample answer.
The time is 2:31:47
